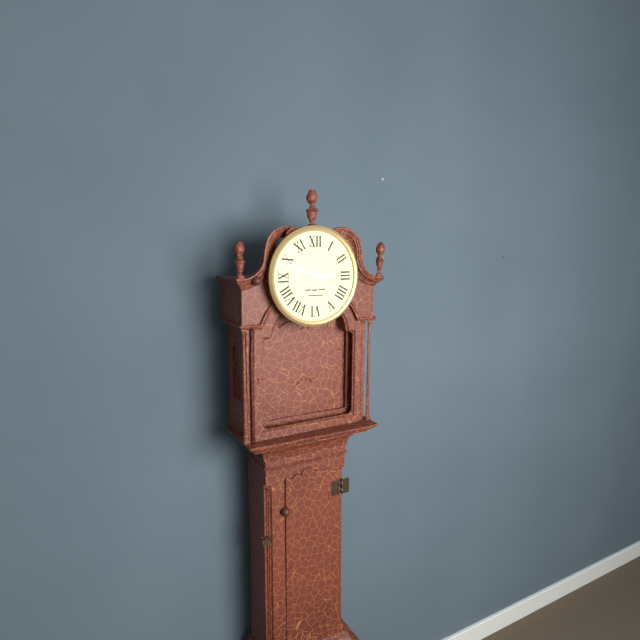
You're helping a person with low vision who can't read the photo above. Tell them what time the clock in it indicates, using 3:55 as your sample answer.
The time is 2:49
